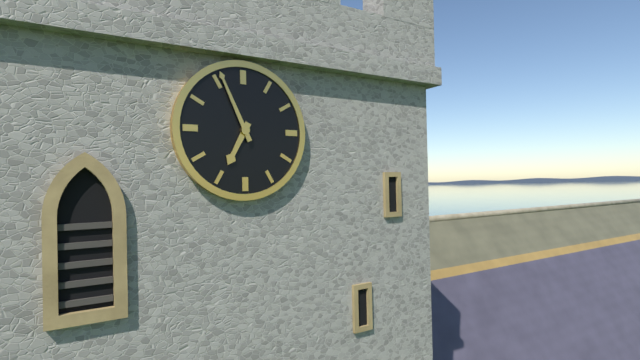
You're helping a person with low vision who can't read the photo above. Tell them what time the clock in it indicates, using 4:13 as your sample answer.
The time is 6:56
